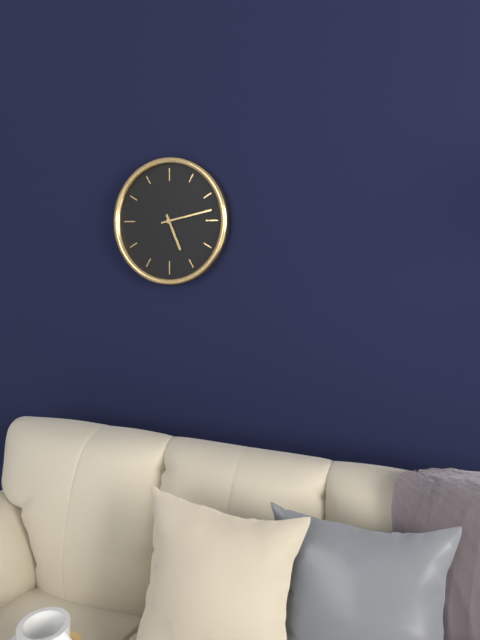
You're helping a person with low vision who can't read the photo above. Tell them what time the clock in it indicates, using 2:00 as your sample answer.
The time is 5:13
